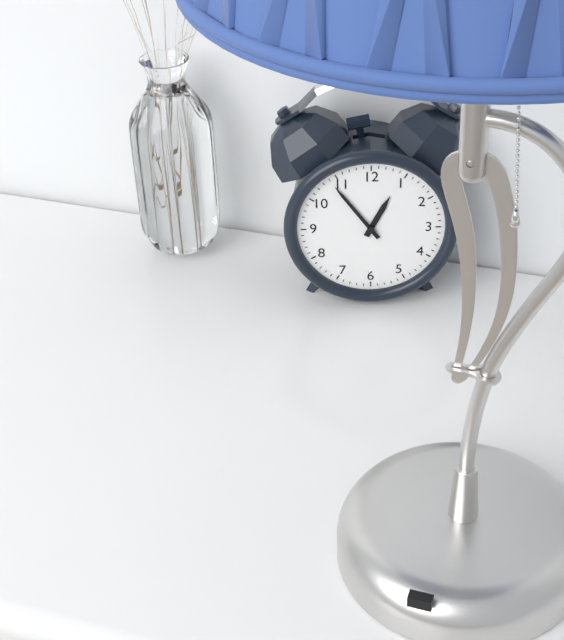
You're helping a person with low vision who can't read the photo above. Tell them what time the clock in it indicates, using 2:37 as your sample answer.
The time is 12:54
